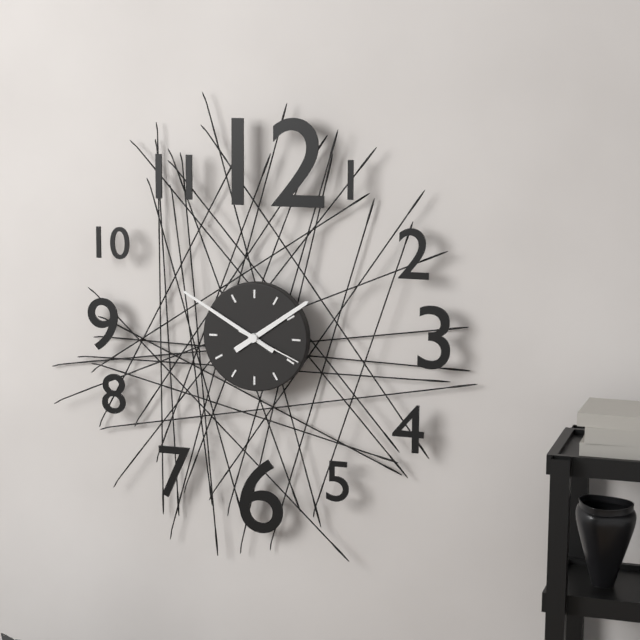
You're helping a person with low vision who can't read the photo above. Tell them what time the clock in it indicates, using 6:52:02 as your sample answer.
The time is 1:50:19
